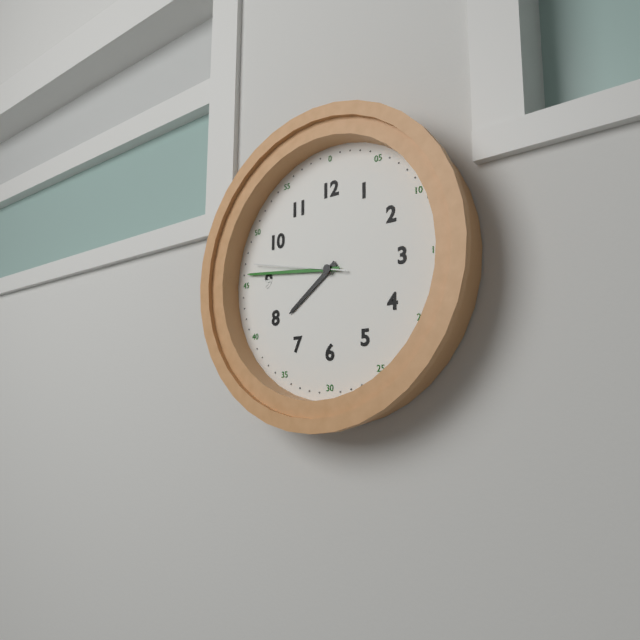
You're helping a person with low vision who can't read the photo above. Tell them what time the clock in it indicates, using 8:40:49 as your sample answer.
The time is 7:46:47
